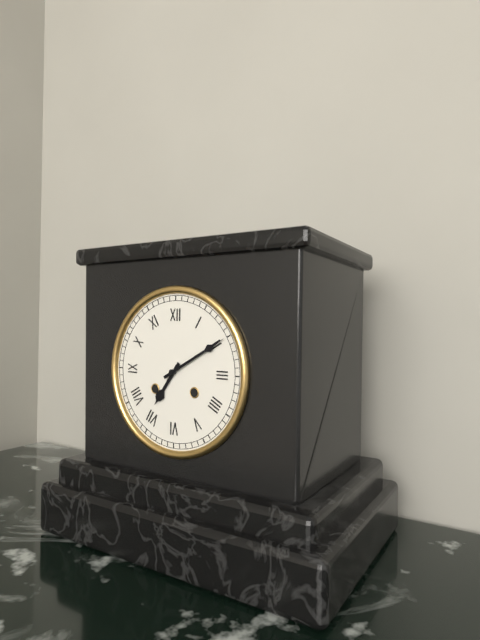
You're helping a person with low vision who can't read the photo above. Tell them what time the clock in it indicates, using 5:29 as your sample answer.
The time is 7:10
